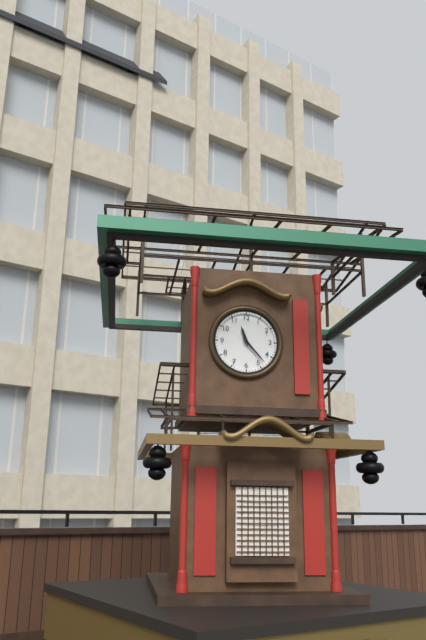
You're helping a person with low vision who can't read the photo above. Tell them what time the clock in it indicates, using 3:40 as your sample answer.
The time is 11:23
